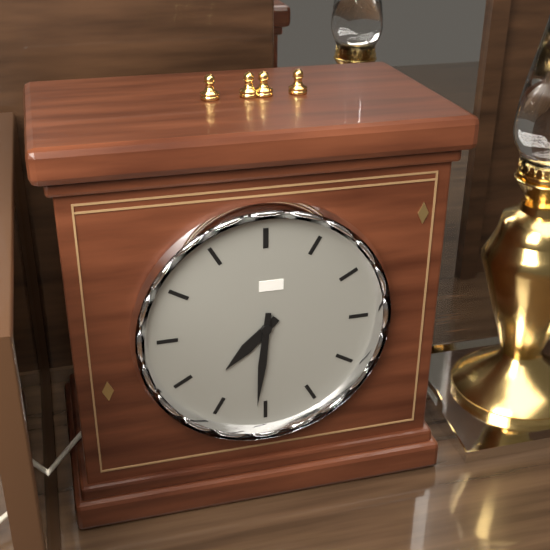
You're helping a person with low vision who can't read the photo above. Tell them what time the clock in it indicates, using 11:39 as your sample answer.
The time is 7:31
